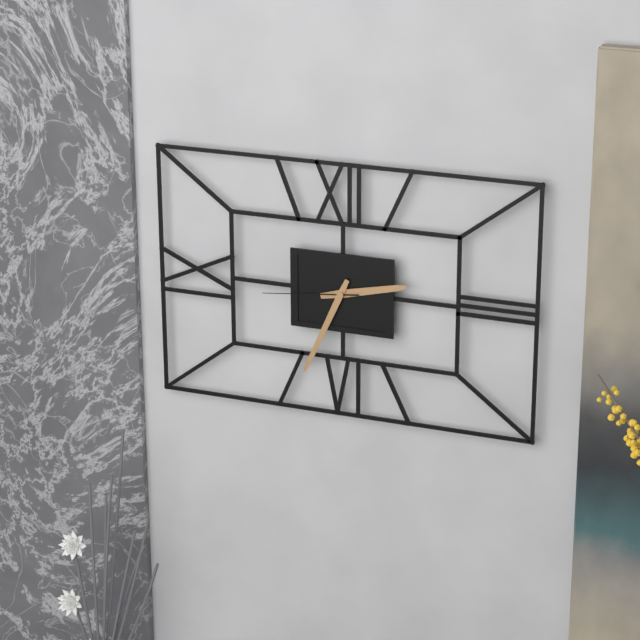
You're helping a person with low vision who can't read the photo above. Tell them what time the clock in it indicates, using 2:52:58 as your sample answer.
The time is 2:34:44
